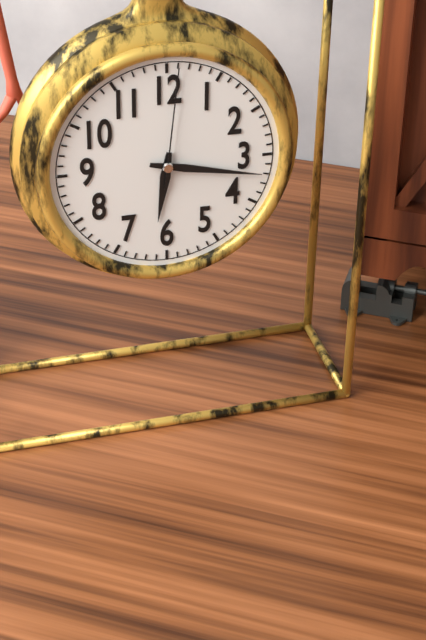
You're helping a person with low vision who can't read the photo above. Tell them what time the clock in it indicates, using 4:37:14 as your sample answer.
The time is 6:17:01
